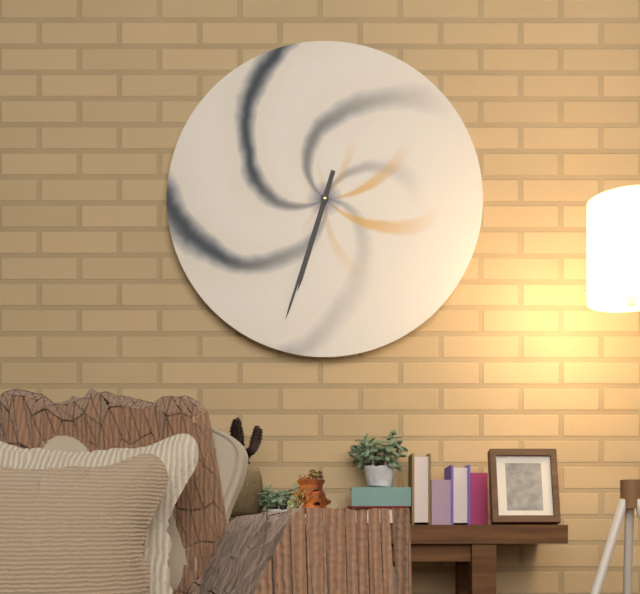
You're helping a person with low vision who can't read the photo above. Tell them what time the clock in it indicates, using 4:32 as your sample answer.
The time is 6:33
